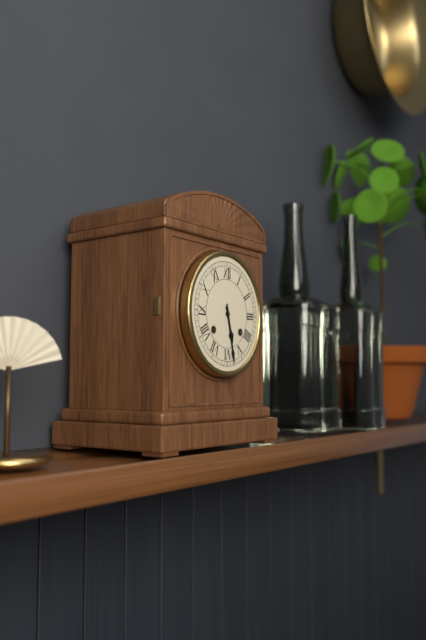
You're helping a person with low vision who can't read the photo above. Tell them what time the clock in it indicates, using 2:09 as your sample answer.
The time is 5:28
